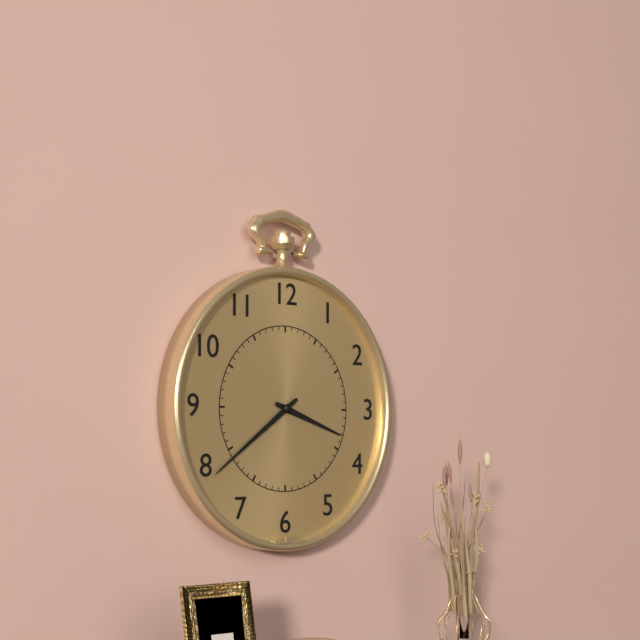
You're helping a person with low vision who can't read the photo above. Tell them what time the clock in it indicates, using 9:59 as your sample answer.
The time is 3:39
